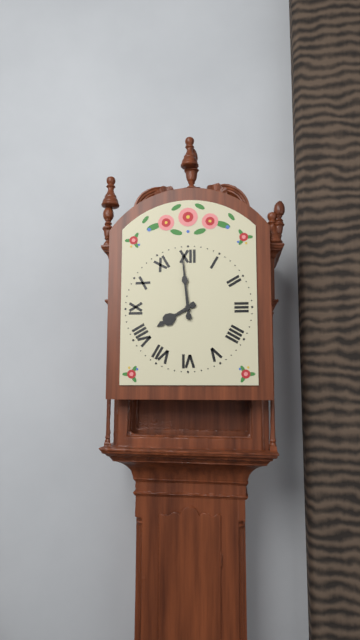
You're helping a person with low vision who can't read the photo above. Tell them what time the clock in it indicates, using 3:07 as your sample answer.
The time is 7:59
